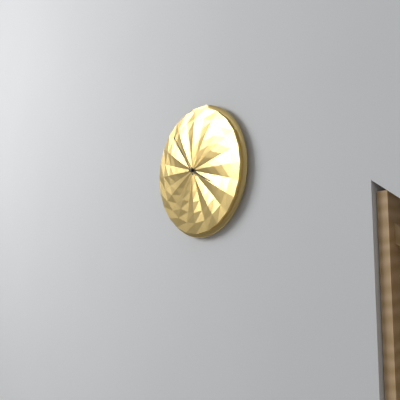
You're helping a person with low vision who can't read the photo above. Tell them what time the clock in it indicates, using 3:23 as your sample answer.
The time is 3:54
